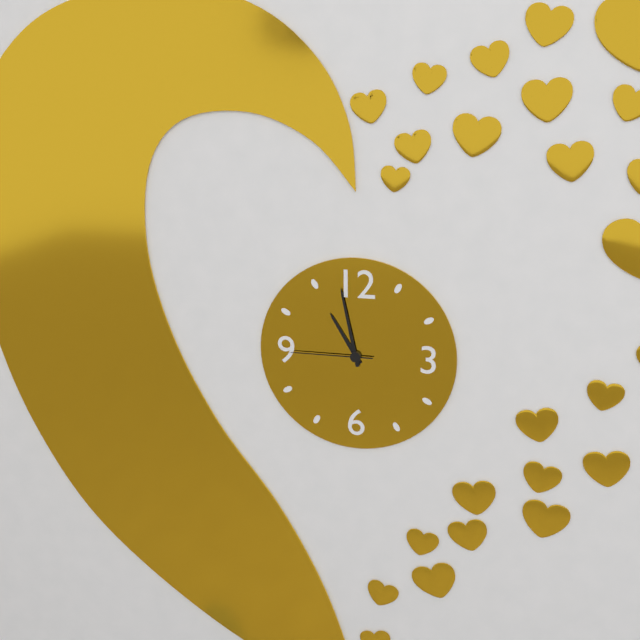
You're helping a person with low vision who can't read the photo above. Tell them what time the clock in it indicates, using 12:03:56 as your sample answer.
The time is 10:58:45
